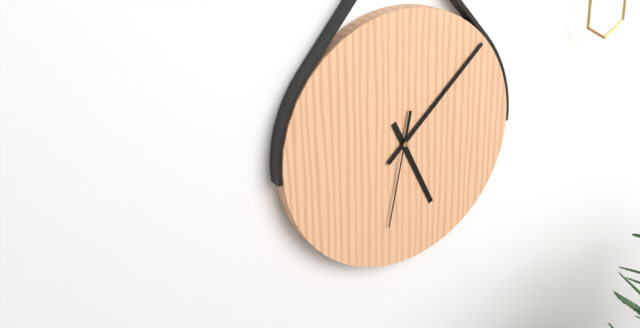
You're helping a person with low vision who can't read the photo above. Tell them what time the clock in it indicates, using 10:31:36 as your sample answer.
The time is 5:08:32
